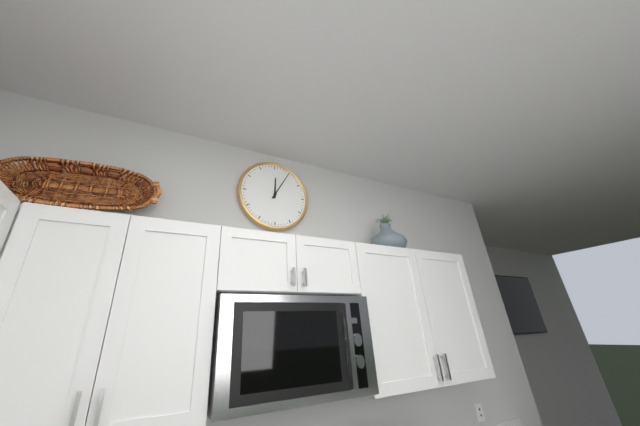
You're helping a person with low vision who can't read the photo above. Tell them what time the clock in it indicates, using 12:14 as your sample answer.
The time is 12:05
